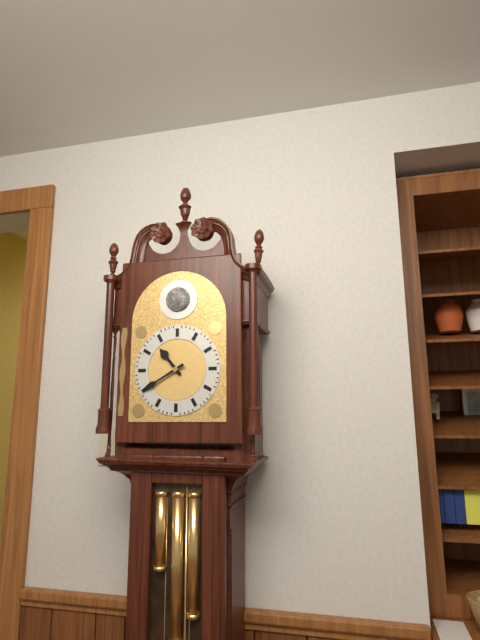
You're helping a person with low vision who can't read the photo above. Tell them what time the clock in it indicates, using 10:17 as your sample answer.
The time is 10:40
